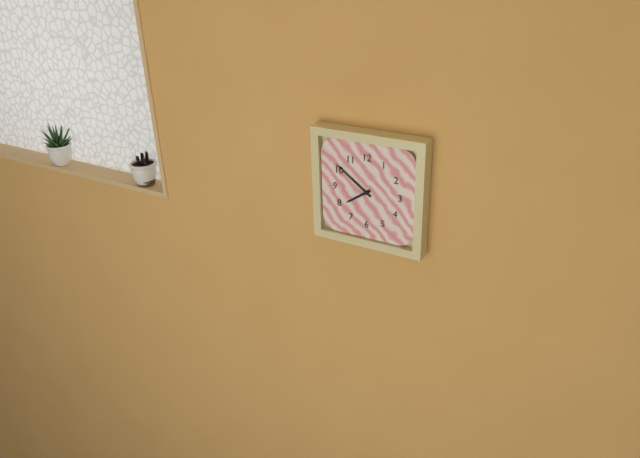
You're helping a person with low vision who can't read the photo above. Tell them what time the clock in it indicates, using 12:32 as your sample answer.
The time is 7:51
